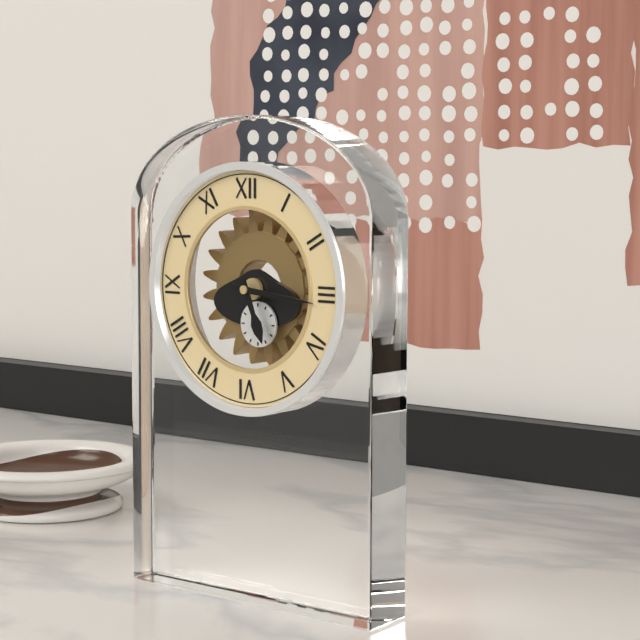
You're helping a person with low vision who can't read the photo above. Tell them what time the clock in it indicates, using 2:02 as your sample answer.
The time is 5:16
